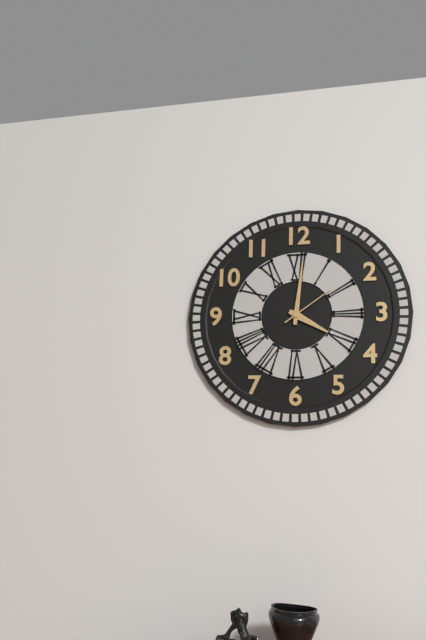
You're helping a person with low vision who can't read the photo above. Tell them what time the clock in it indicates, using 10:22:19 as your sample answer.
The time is 4:01:09
